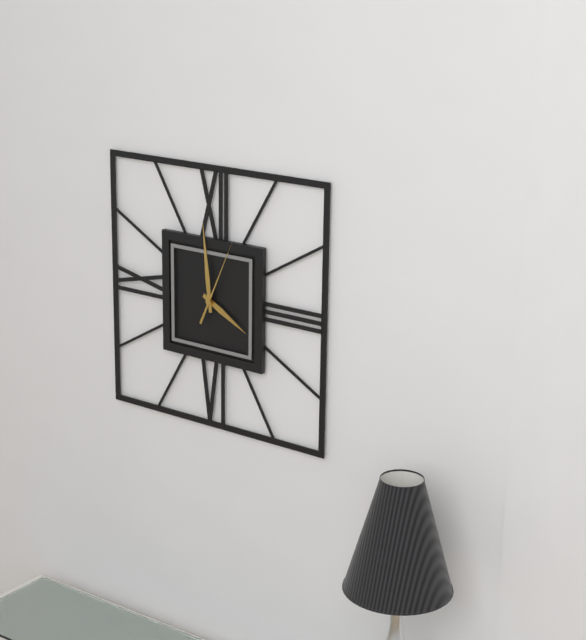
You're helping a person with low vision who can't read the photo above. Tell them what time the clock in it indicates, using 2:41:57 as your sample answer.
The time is 3:59:04
